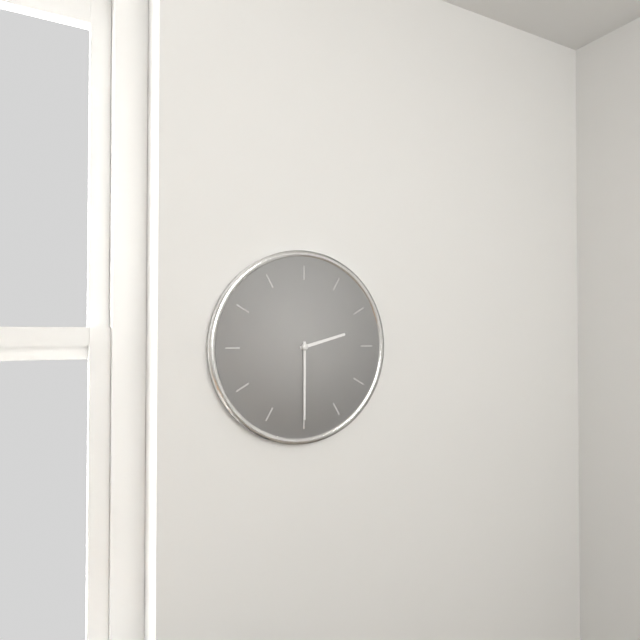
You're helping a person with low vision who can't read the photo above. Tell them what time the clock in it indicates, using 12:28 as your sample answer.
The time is 2:30
